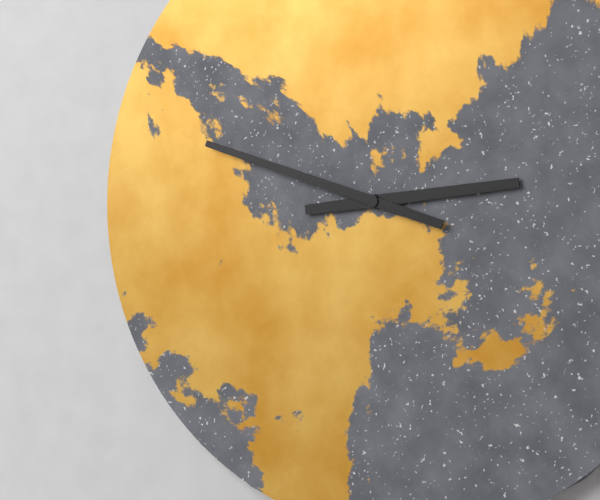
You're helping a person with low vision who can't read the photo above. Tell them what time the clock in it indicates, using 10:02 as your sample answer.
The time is 2:48
